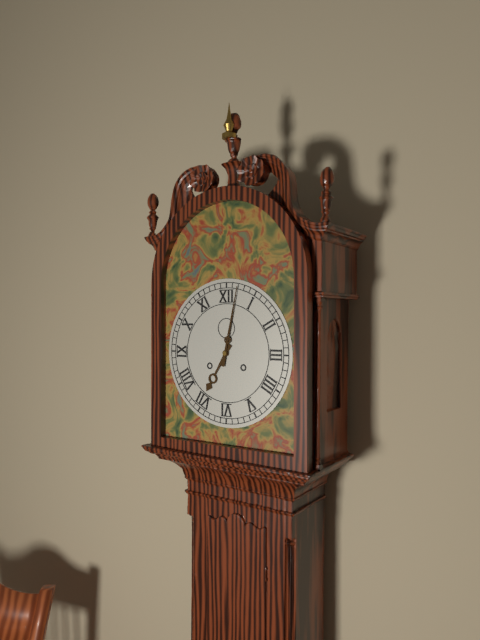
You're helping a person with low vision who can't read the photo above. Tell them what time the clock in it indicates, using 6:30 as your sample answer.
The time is 7:02
